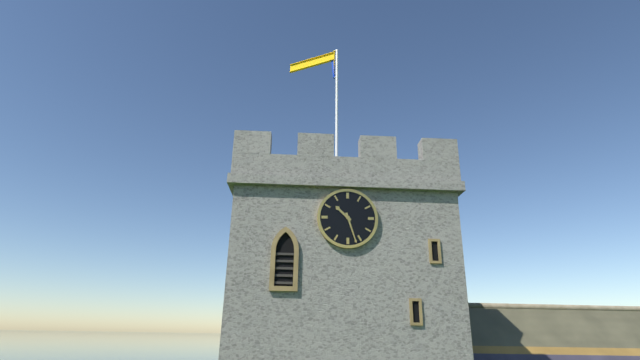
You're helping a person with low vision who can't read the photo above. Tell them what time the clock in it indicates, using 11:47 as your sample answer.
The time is 10:27
